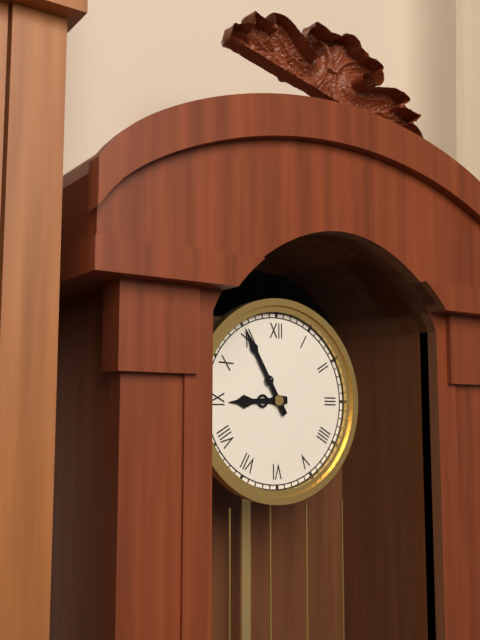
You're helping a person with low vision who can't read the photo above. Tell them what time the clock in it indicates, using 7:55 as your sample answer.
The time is 8:55
